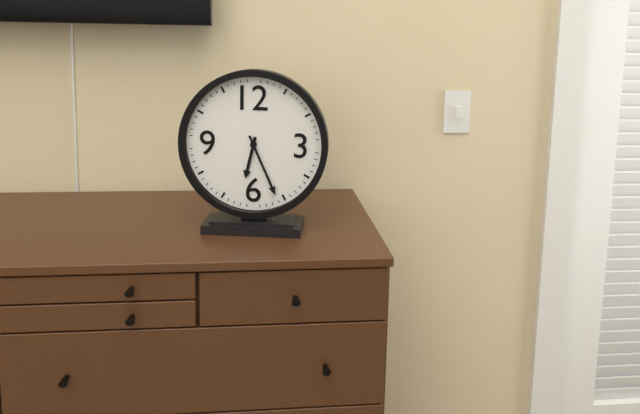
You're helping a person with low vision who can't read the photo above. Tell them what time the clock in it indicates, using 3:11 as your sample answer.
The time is 6:26
